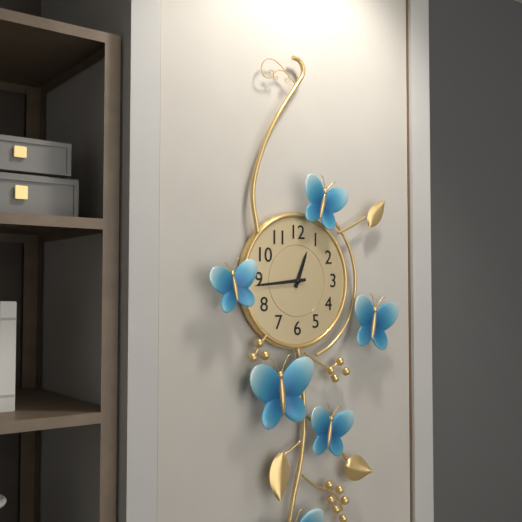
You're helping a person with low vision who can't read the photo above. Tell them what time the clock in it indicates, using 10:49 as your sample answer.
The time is 12:44
